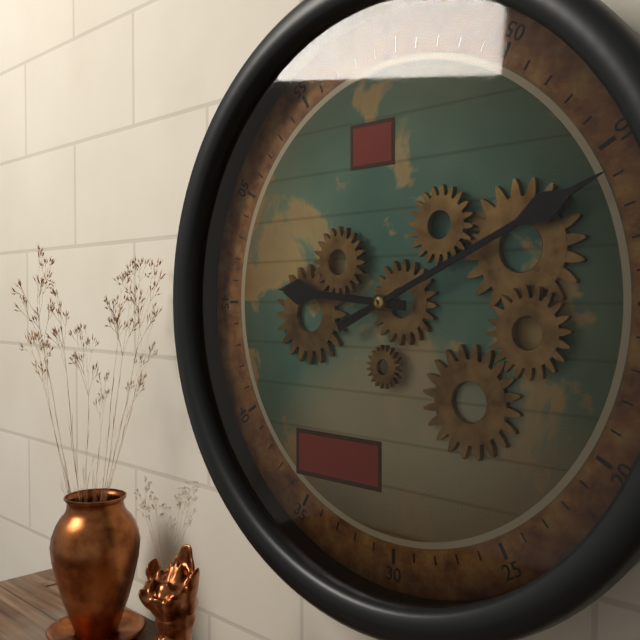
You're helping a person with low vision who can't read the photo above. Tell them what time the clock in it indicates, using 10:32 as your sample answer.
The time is 9:11
